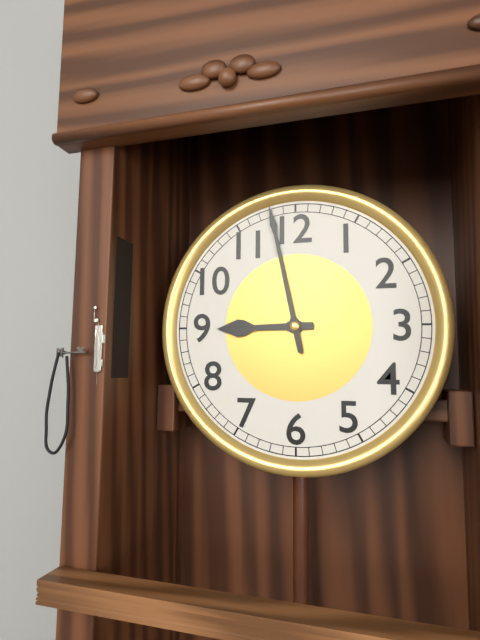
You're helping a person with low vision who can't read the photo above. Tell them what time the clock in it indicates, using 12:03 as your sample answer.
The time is 8:58
